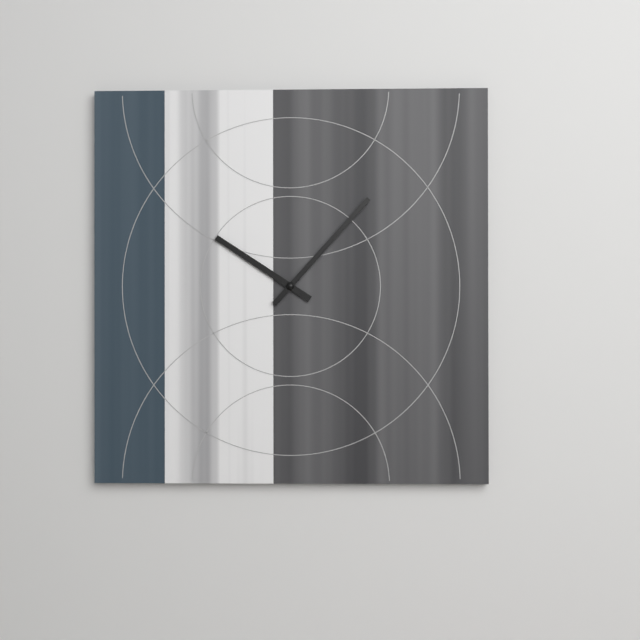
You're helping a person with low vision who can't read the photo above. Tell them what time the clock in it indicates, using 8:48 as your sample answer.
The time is 10:07
